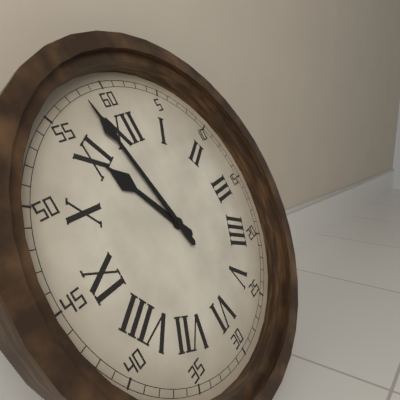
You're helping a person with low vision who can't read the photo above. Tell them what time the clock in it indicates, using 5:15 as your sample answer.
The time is 10:58
